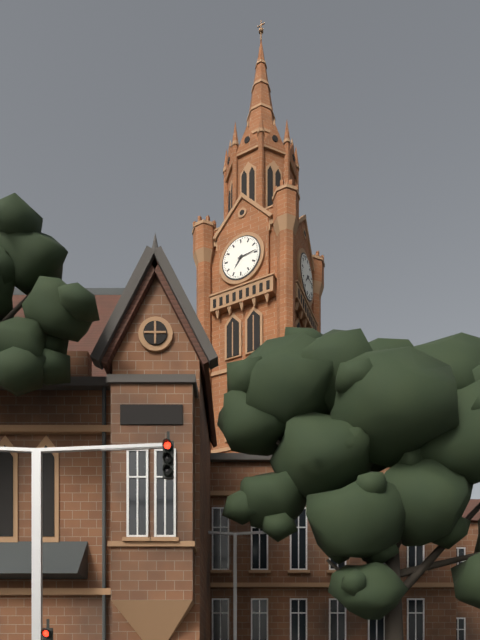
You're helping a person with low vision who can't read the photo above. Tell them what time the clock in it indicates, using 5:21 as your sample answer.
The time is 7:14
